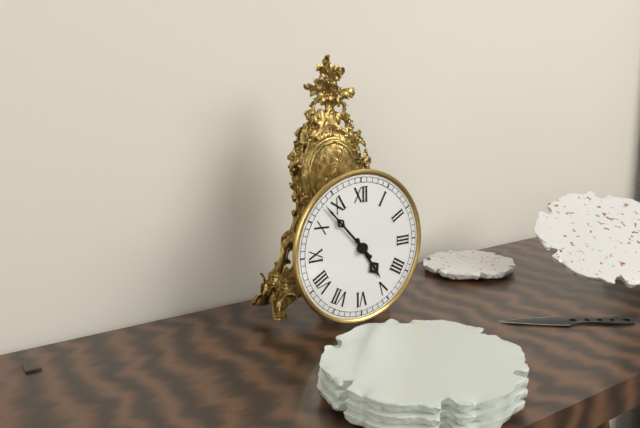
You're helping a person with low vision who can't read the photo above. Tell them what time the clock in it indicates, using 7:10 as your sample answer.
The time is 4:53
